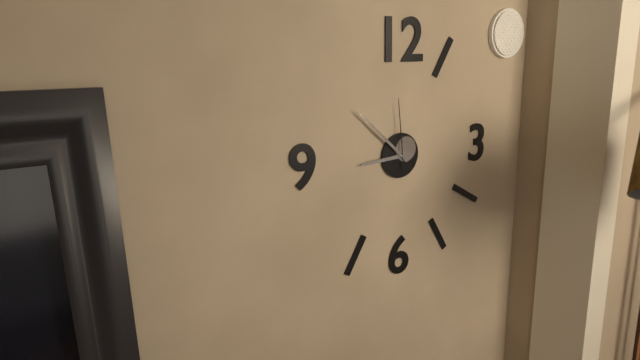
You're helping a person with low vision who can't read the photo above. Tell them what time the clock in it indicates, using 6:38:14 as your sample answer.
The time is 8:52:59
